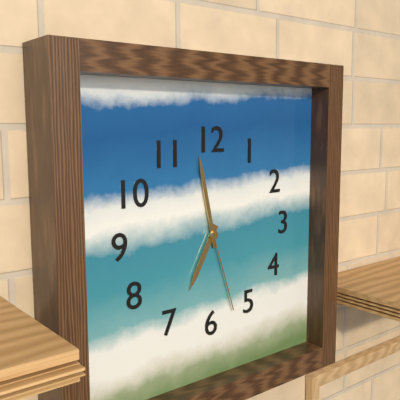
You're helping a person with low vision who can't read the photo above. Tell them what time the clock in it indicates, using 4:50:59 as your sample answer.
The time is 6:58:27
